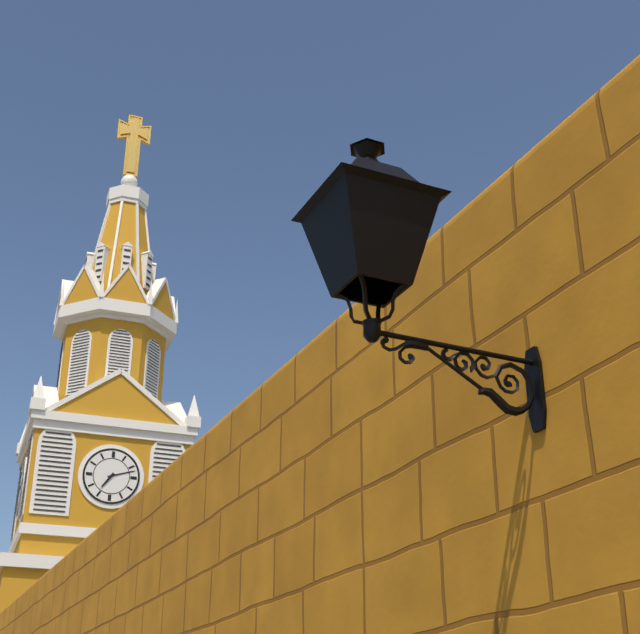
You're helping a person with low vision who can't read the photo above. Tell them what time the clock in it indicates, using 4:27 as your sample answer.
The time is 7:12
